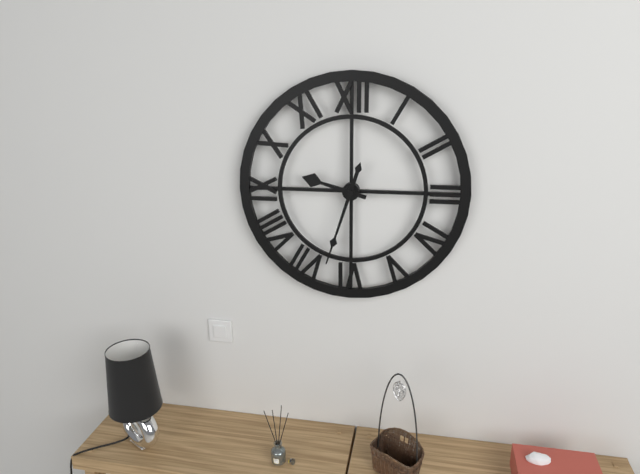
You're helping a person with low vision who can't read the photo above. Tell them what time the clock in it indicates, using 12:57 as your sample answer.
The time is 9:33
